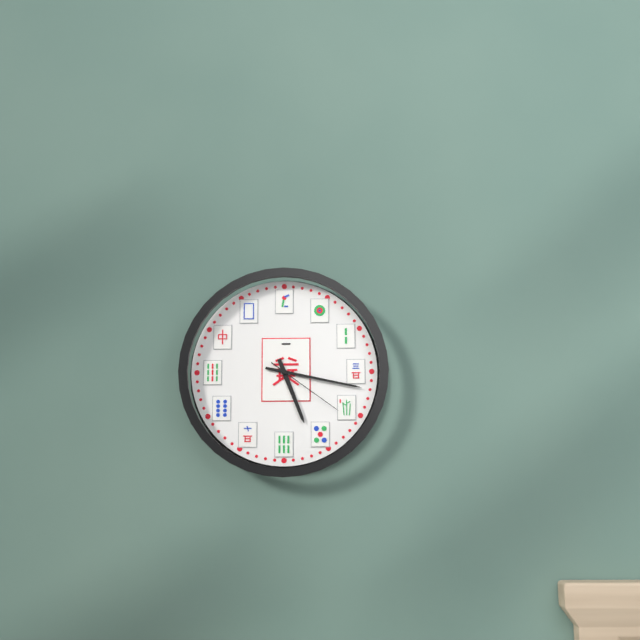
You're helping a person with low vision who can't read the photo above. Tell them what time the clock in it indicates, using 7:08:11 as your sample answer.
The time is 5:17:21
